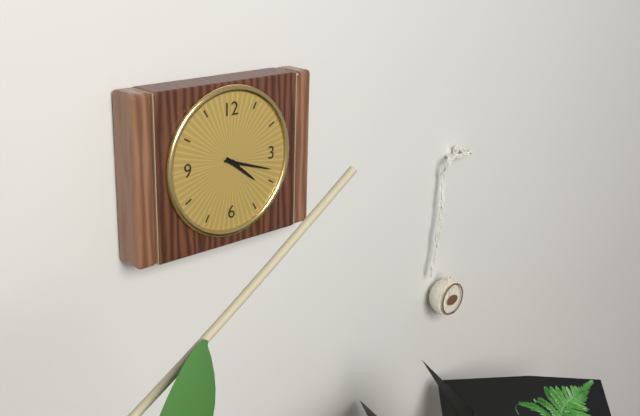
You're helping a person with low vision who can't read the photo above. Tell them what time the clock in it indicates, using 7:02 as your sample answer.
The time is 4:18
